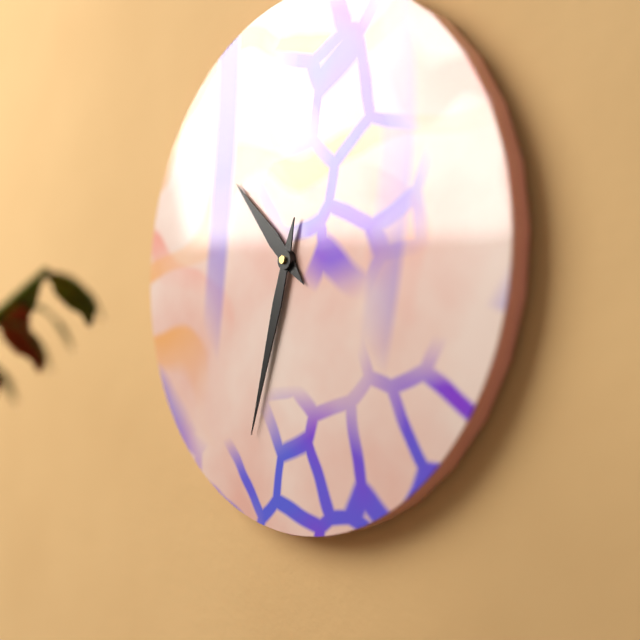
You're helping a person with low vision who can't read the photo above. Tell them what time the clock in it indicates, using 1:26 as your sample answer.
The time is 10:33
